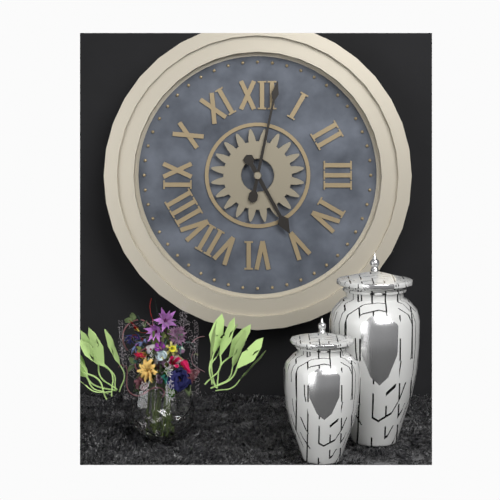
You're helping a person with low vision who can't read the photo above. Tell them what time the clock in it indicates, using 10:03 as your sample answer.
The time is 5:02
